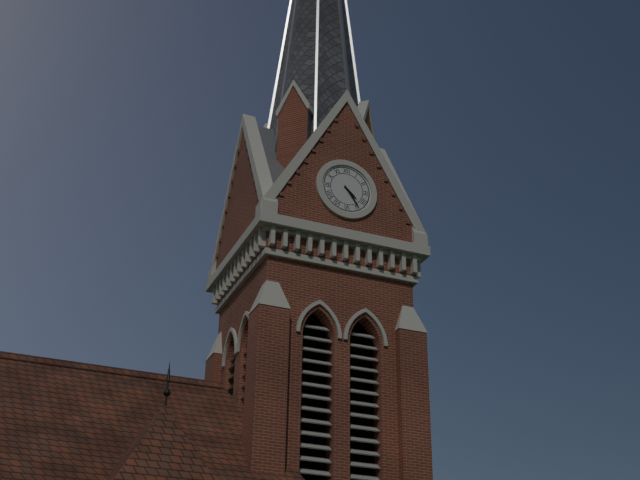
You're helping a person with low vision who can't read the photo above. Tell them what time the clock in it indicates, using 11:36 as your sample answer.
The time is 4:24
